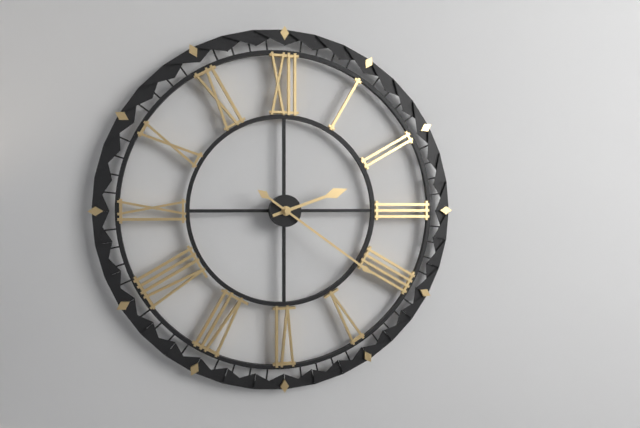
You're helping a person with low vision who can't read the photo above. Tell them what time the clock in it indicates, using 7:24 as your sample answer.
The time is 2:21
